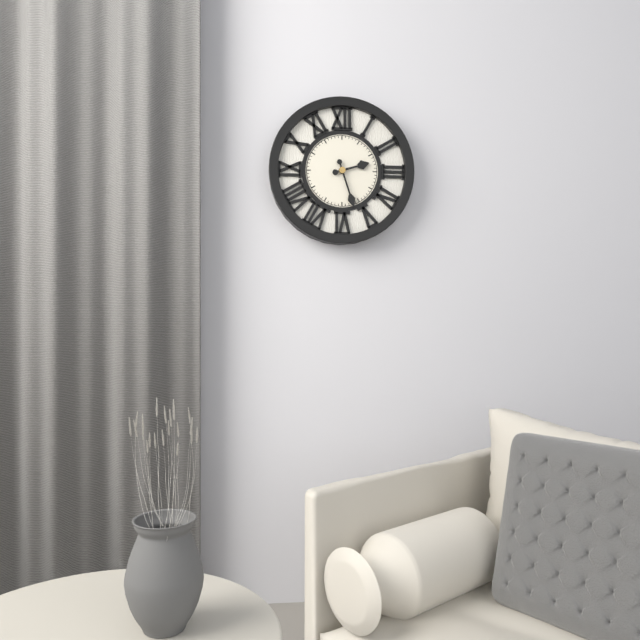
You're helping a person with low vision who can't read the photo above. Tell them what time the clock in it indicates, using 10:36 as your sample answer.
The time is 2:27
